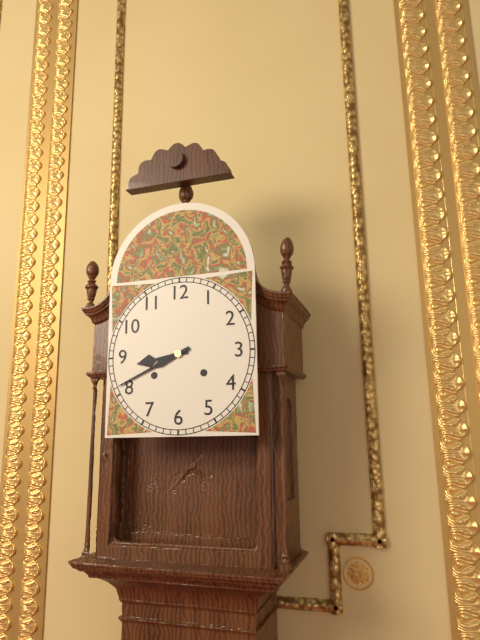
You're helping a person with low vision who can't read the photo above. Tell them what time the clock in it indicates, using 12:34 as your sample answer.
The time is 8:41
